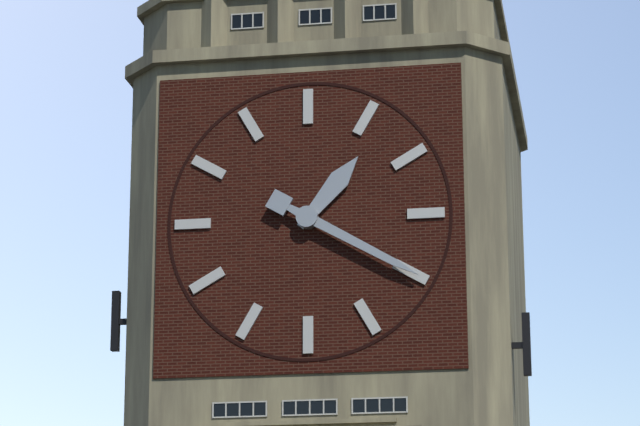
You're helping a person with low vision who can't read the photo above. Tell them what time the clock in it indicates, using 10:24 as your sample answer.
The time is 1:20
